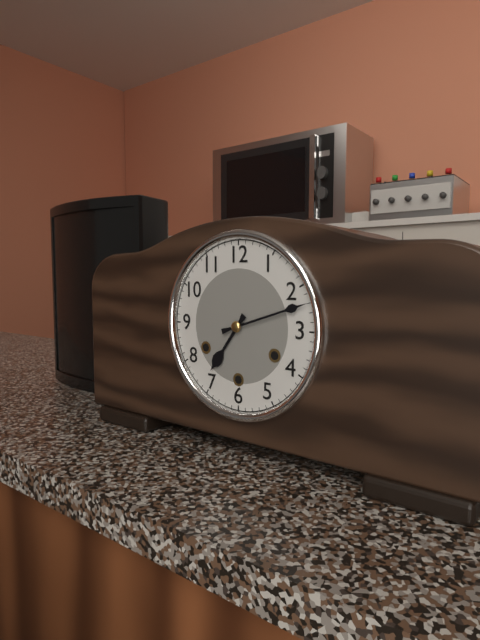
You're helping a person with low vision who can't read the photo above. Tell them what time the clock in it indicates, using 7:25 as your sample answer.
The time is 7:12
